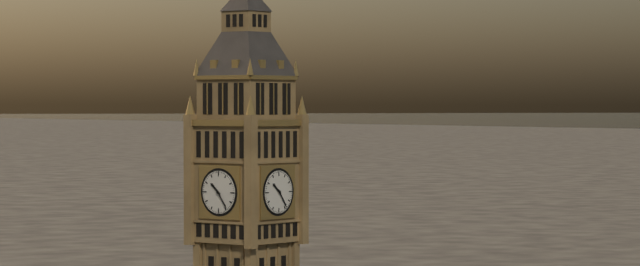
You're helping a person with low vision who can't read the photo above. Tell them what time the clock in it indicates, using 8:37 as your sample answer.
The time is 10:24
